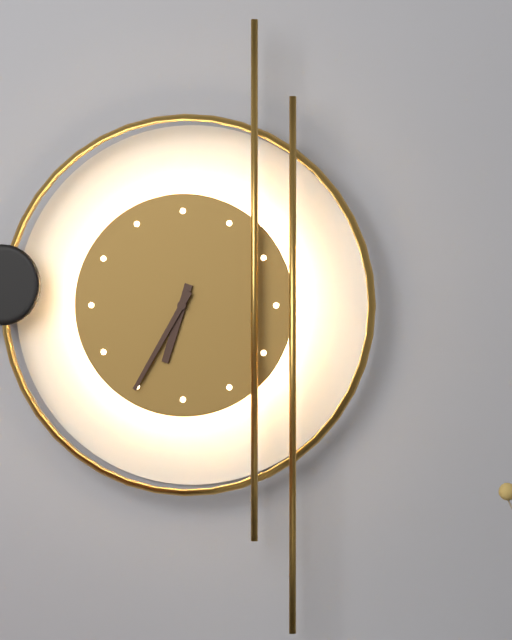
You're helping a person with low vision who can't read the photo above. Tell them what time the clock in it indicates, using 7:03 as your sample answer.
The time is 6:35
